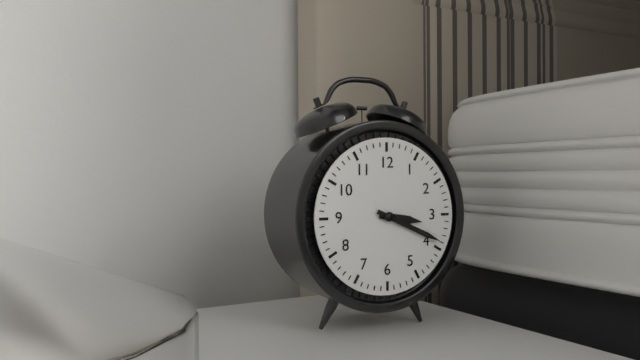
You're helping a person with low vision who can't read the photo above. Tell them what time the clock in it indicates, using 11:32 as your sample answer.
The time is 3:19
